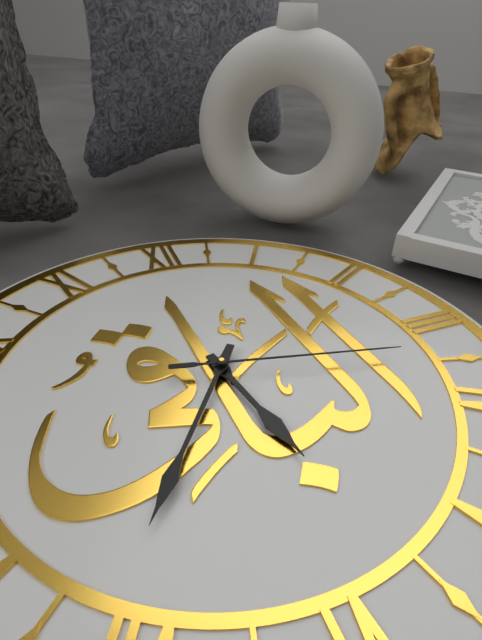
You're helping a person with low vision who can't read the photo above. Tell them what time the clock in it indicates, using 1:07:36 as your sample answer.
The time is 5:36:17
